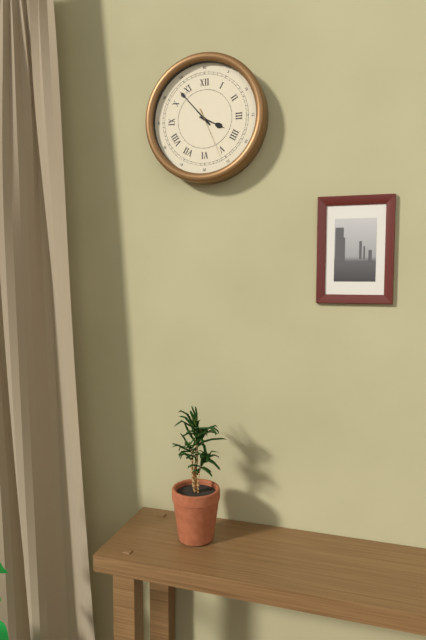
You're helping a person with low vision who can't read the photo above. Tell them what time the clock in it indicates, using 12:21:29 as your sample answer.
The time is 3:53:26
